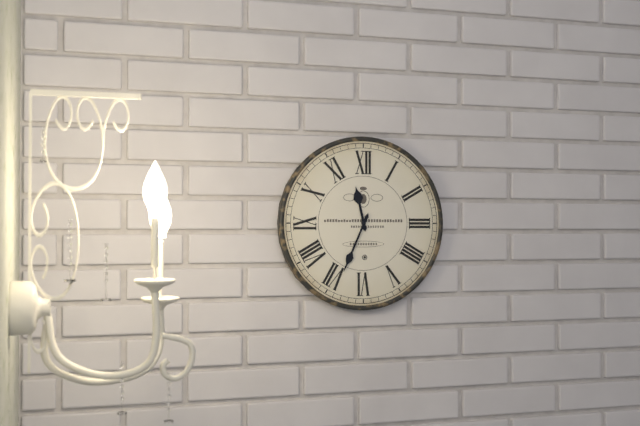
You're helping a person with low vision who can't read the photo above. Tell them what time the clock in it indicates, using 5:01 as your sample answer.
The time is 11:34
